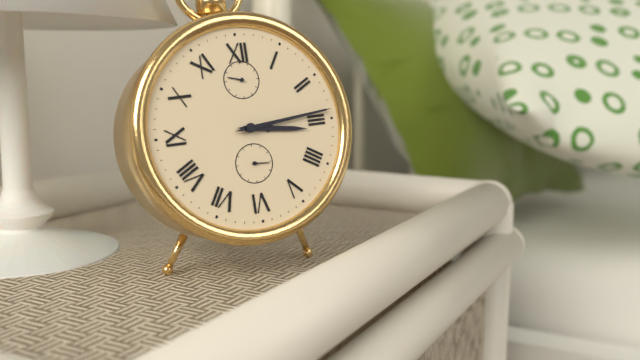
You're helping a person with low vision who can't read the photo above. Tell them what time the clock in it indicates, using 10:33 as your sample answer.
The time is 3:14
